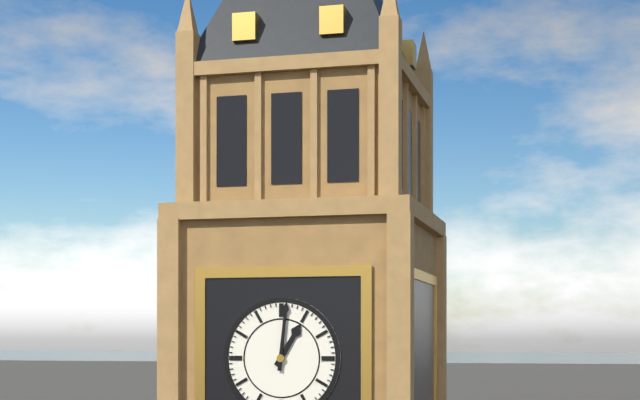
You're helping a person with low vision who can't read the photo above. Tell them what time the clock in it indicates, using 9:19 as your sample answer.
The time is 1:01
